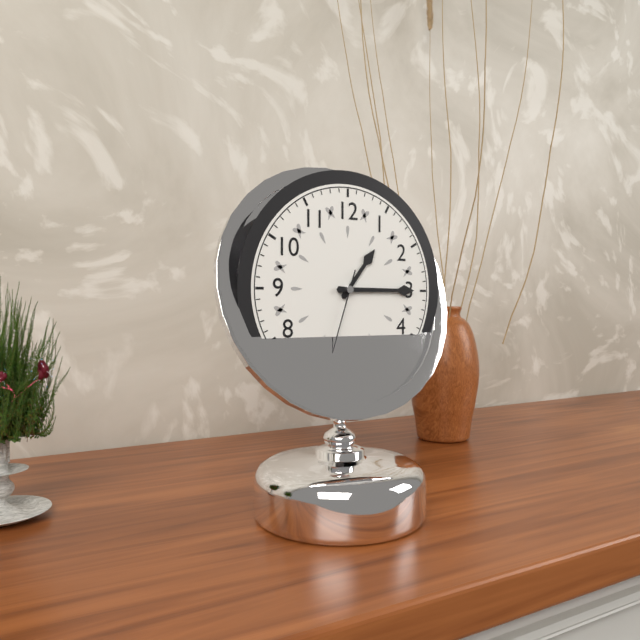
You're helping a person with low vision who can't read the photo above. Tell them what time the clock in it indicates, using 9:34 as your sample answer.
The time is 1:15
